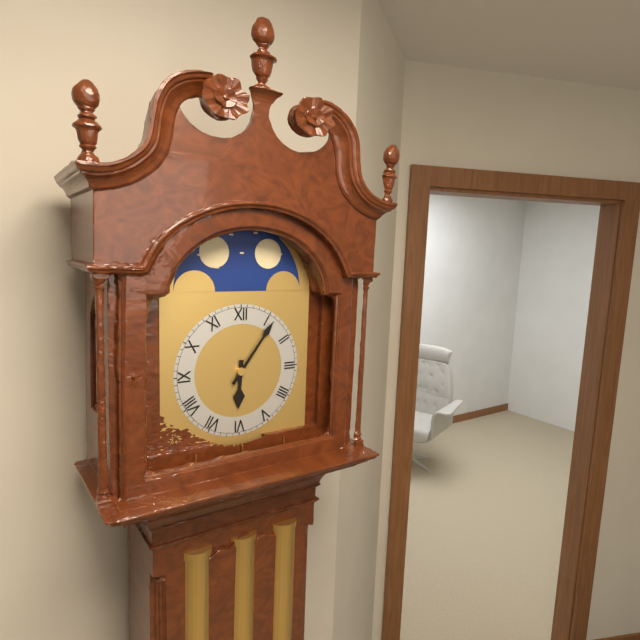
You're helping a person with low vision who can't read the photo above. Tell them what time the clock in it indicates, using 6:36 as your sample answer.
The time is 6:06
